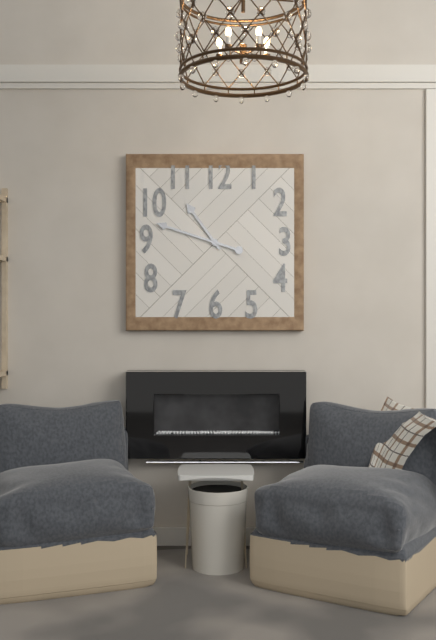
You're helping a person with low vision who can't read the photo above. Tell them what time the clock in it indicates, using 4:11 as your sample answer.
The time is 10:48
